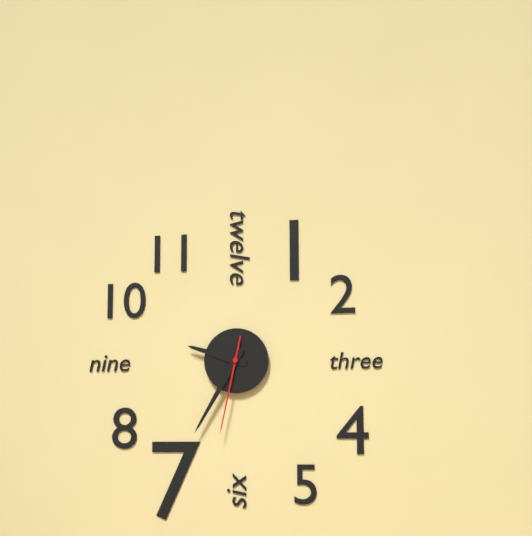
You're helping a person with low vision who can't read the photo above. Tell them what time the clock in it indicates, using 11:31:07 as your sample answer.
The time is 9:35:32
